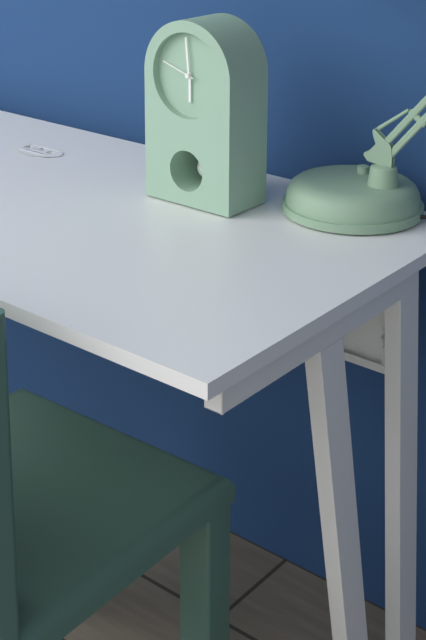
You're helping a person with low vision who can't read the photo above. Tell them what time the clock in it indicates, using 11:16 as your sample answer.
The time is 5:59
